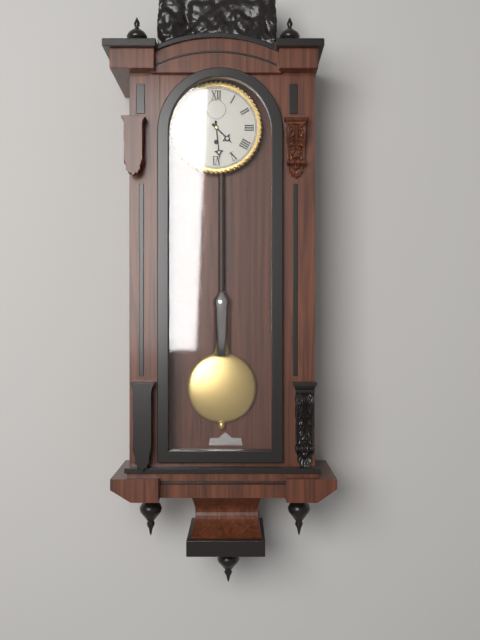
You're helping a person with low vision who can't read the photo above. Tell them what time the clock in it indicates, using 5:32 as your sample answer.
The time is 4:29
